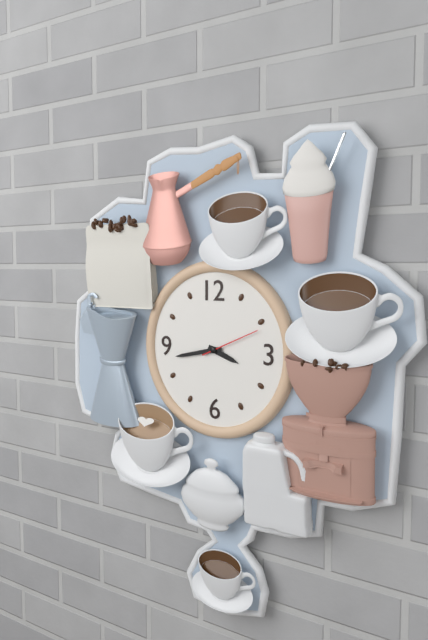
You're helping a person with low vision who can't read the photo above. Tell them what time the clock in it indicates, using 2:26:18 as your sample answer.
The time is 3:43:11
